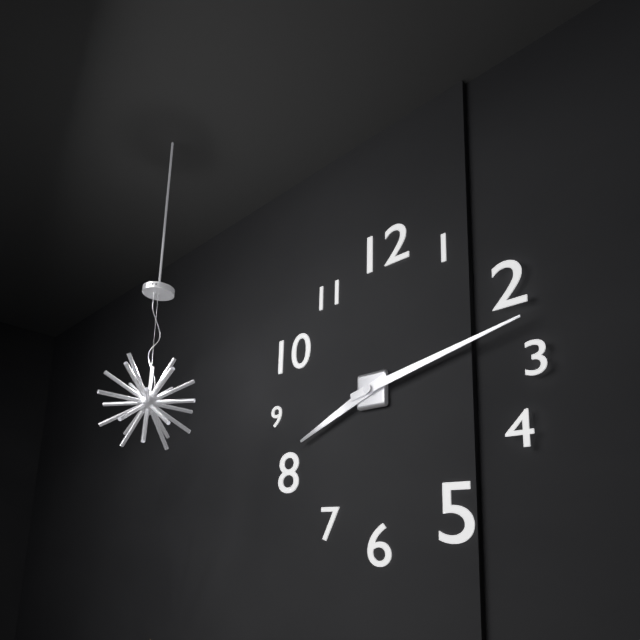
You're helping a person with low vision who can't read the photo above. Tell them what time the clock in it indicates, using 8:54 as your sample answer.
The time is 8:13
